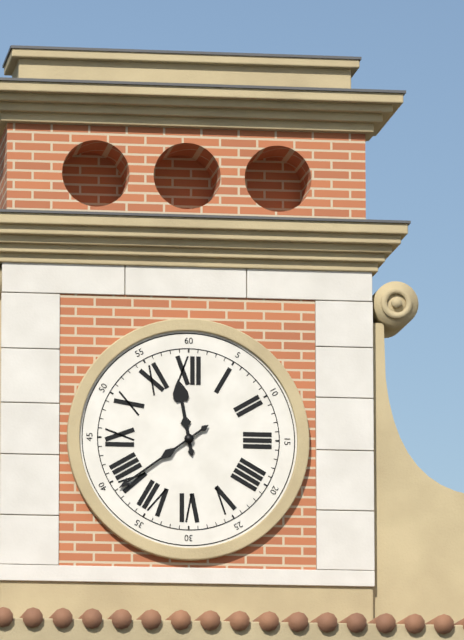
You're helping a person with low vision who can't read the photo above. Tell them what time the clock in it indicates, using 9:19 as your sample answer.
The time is 11:39
